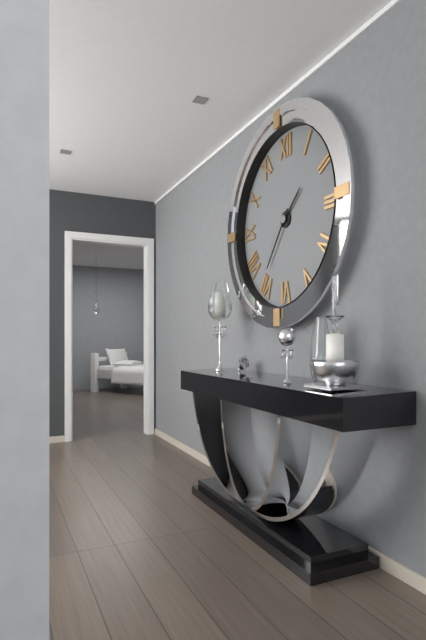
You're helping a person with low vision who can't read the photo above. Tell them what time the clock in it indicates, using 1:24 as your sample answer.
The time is 1:36
